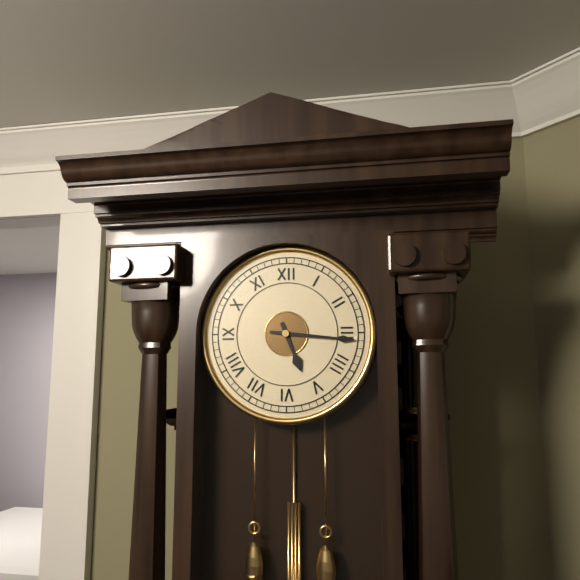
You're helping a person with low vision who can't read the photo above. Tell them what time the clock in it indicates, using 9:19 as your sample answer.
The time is 5:16
